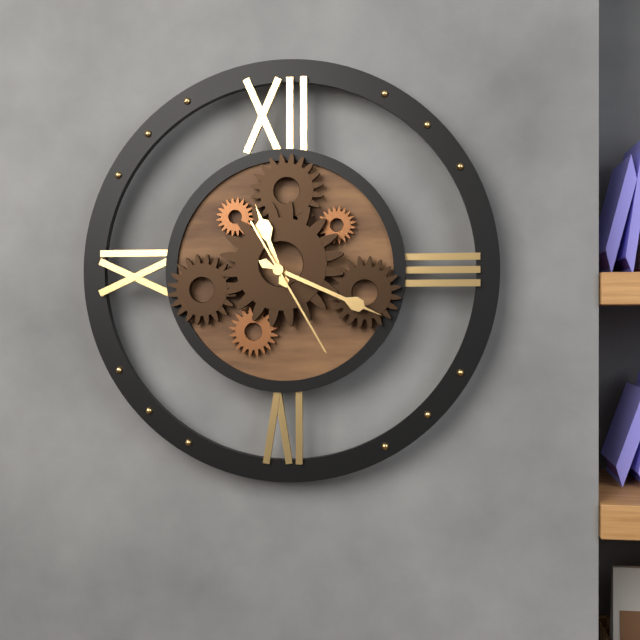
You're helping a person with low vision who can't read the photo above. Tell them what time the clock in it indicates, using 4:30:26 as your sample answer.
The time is 11:19:25
